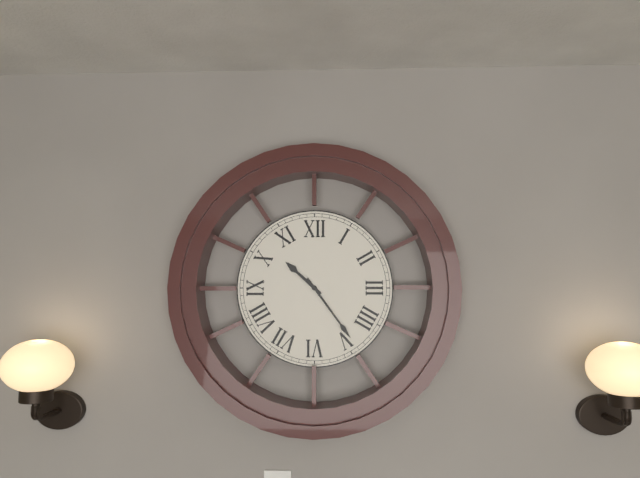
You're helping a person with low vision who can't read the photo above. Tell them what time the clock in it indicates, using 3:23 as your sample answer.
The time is 10:24
